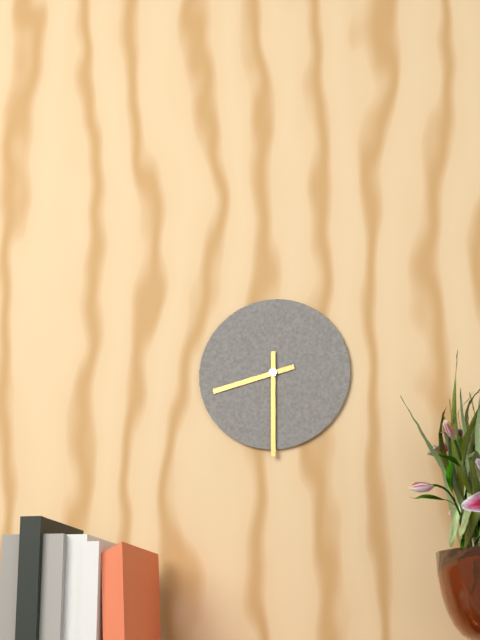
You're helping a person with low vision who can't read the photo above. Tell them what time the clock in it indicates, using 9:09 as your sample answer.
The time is 8:30
